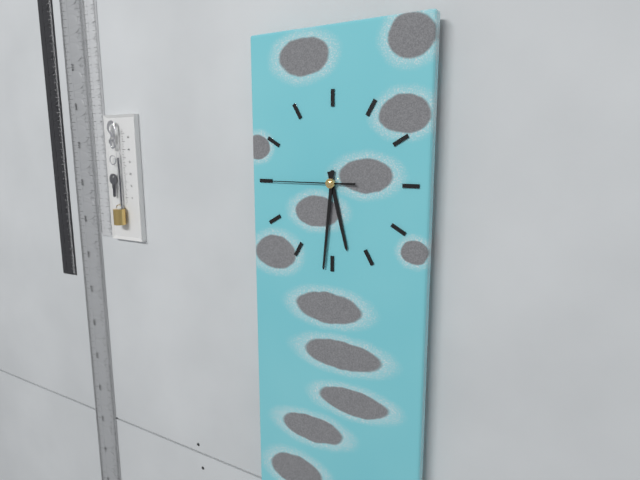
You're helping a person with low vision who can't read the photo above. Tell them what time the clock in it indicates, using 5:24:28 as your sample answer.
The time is 5:31:45
